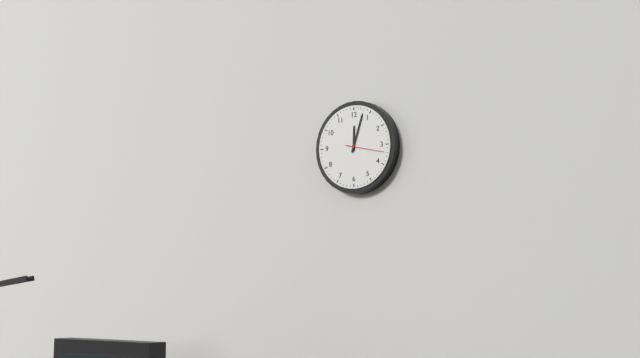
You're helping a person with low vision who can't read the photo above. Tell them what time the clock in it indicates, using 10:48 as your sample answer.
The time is 12:03
